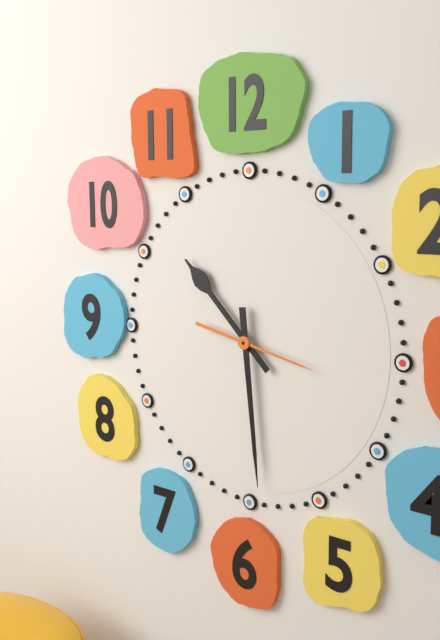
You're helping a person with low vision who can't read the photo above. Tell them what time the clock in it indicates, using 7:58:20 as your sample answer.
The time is 10:29:17
